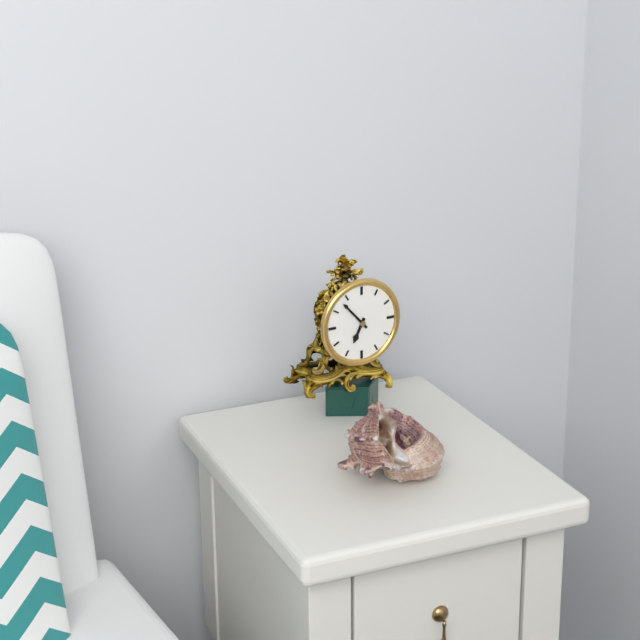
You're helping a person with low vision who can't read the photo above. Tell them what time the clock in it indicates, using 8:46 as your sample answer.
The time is 6:53
